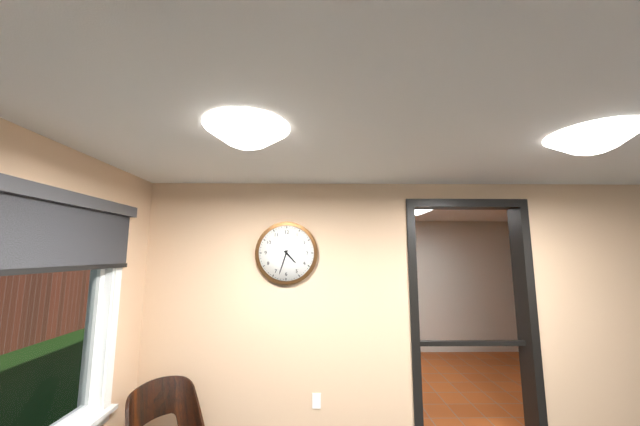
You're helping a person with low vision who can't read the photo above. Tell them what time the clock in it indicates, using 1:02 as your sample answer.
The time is 4:33
